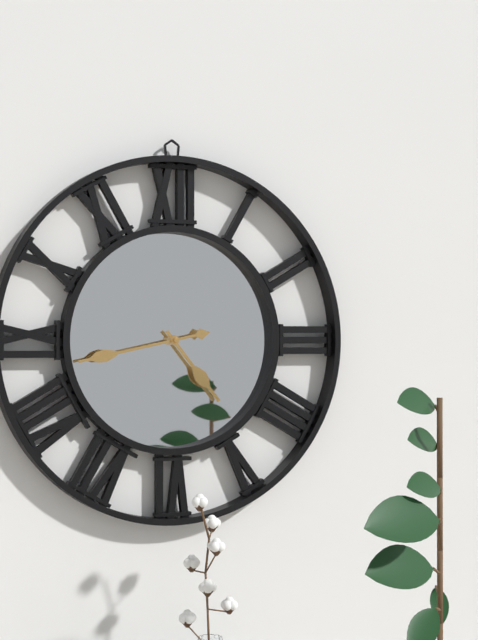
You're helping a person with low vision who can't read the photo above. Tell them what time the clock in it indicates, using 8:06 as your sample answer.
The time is 4:43
